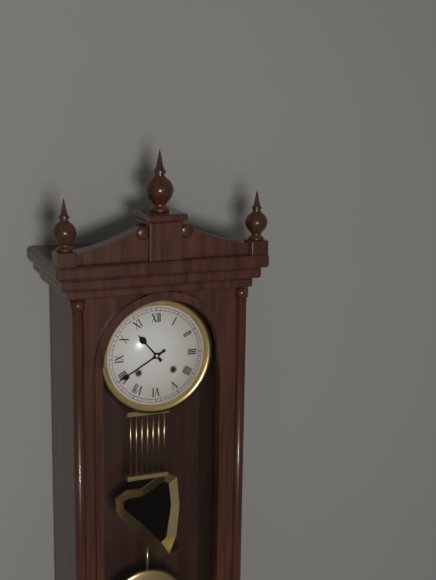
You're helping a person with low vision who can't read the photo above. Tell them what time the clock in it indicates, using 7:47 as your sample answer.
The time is 10:40
